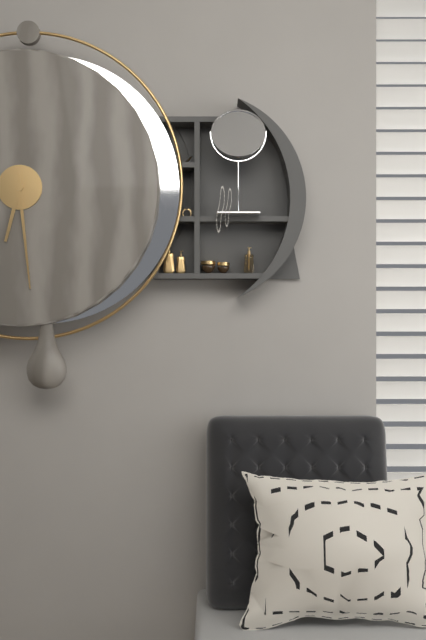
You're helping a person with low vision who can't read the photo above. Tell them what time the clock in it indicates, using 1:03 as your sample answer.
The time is 6:29
